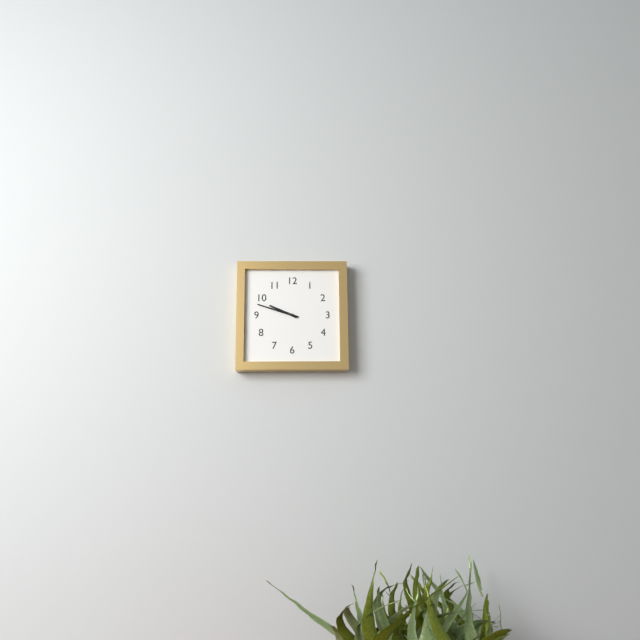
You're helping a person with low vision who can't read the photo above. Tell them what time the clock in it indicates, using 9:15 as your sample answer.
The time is 9:48
